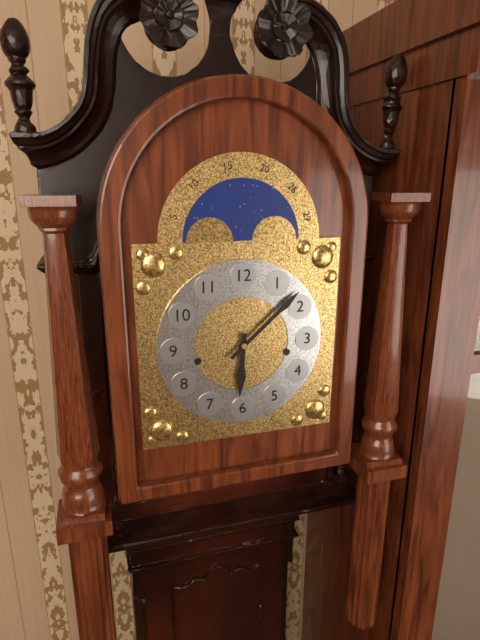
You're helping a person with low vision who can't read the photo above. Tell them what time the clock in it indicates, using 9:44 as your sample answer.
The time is 6:08
